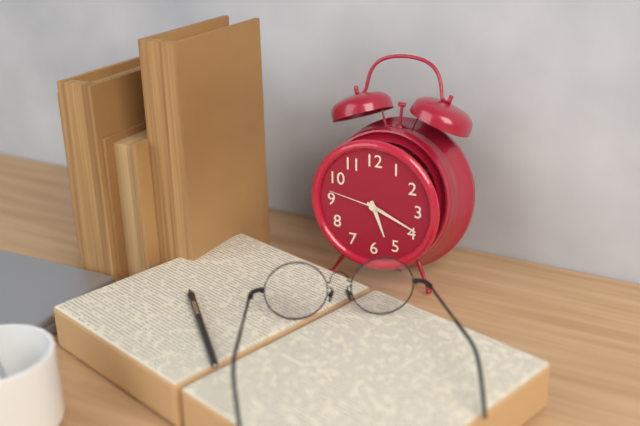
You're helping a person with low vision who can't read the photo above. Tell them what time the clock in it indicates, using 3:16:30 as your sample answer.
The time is 5:19:47
